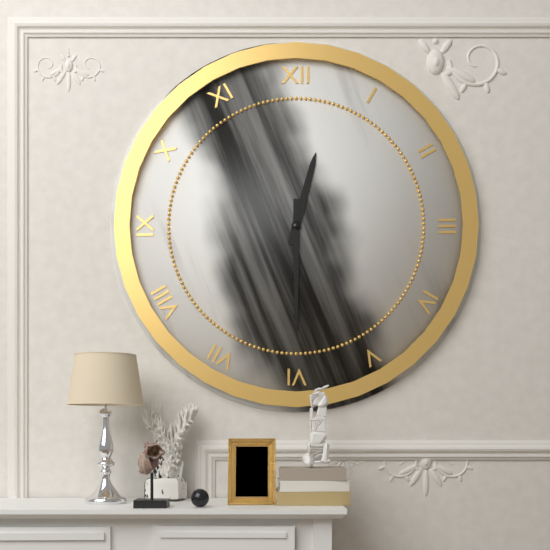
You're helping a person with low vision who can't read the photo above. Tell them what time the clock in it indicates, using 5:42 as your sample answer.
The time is 12:30
